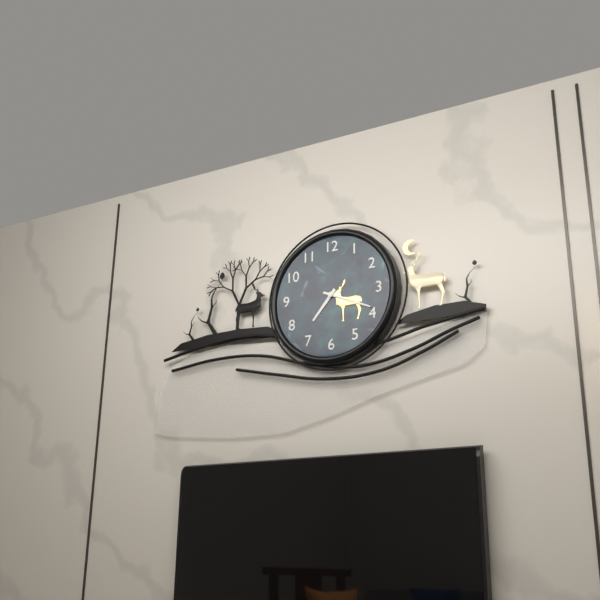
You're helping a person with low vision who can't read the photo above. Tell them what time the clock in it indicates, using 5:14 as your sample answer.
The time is 7:19
